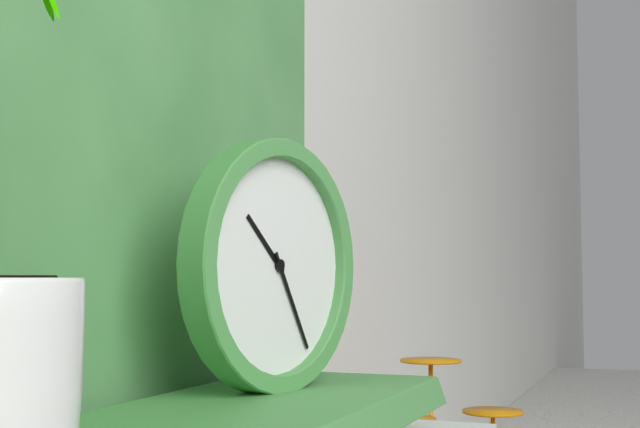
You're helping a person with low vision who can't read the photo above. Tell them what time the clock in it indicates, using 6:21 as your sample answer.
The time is 10:25
